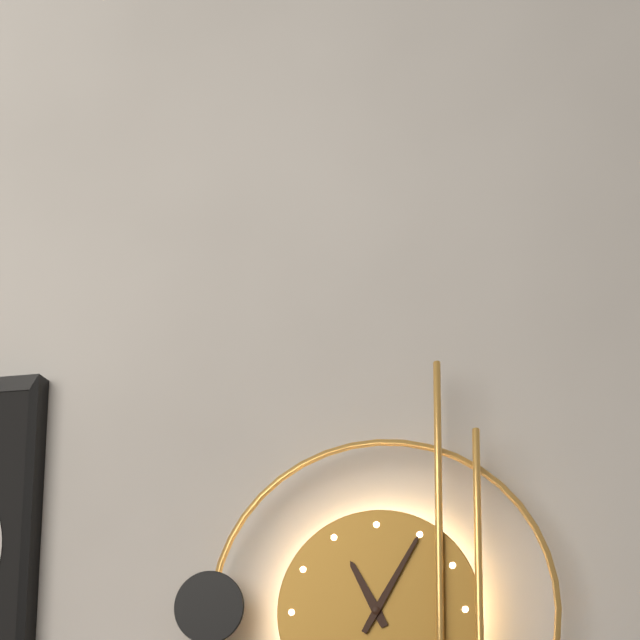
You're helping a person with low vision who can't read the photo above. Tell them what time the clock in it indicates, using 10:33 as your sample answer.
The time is 11:05
